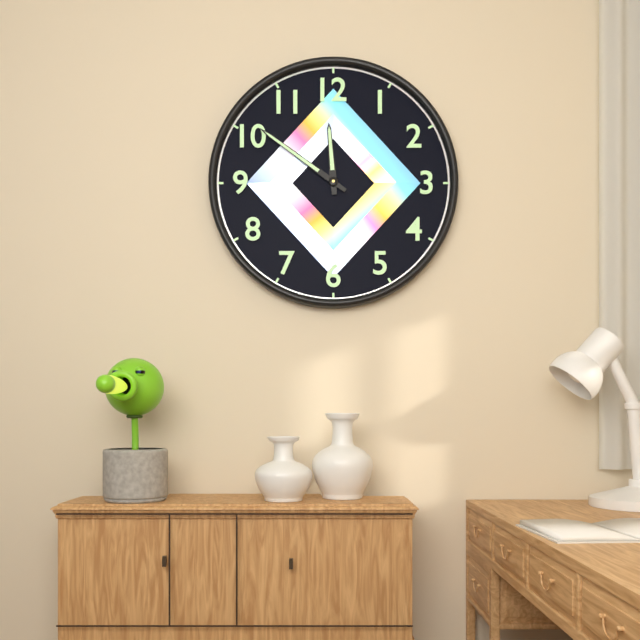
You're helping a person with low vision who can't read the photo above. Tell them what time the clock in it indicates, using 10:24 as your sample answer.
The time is 11:51
